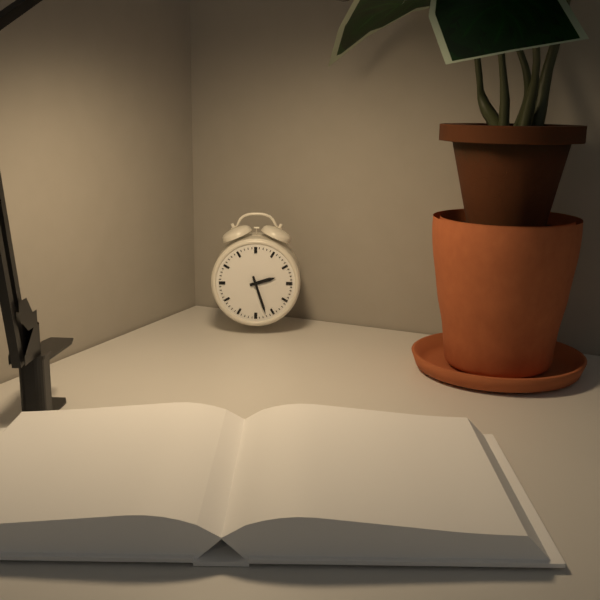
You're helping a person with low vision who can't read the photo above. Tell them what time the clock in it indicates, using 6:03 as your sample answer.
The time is 2:27
